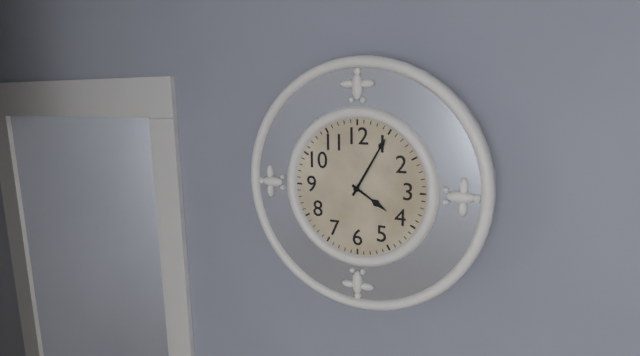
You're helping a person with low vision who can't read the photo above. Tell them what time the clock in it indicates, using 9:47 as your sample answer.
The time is 4:05
